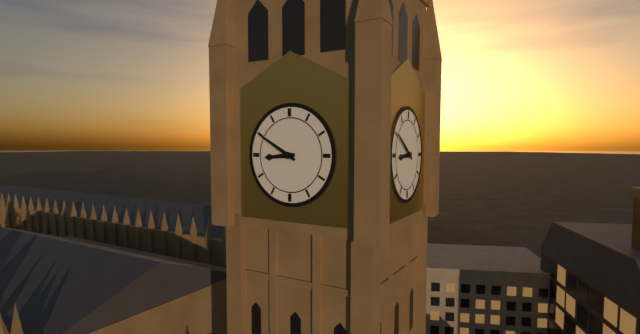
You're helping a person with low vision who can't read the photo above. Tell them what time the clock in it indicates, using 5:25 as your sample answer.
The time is 8:50
